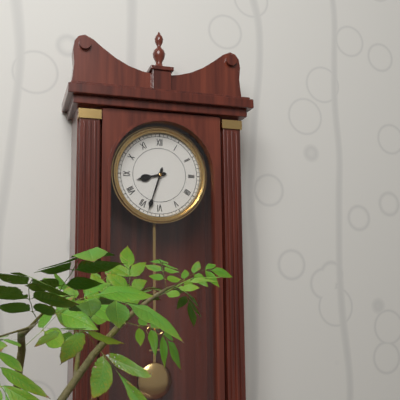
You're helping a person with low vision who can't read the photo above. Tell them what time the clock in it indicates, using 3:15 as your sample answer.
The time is 8:33
